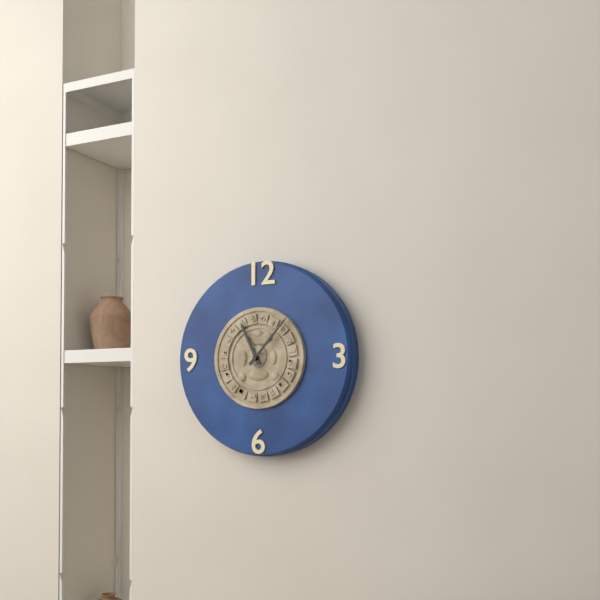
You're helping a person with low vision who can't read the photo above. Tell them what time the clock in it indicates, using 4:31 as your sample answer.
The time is 11:07
